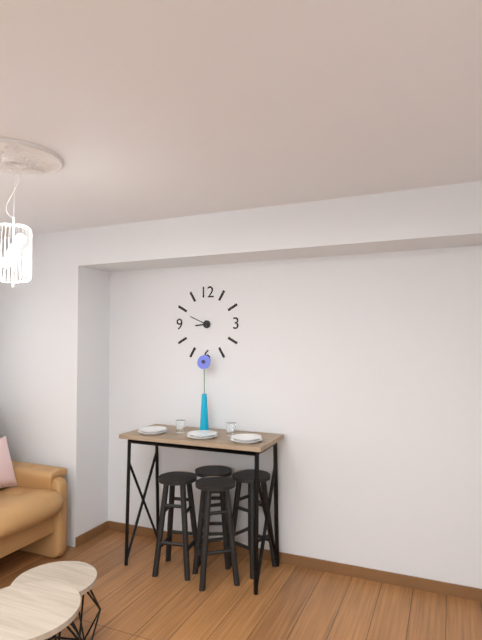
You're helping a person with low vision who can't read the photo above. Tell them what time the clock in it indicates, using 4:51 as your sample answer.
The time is 8:49
